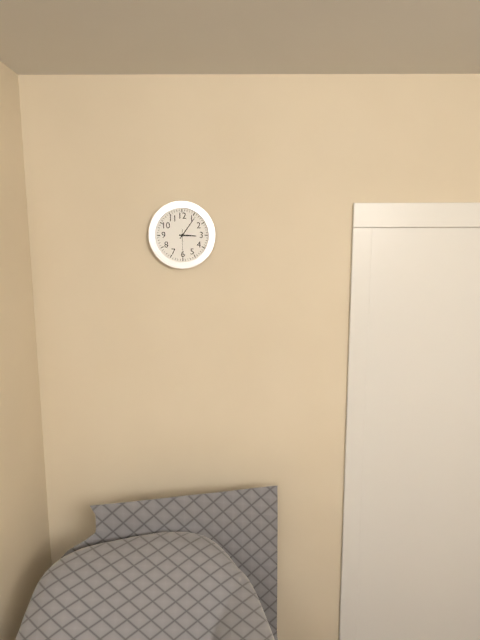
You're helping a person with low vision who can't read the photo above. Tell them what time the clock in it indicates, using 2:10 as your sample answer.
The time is 3:06
